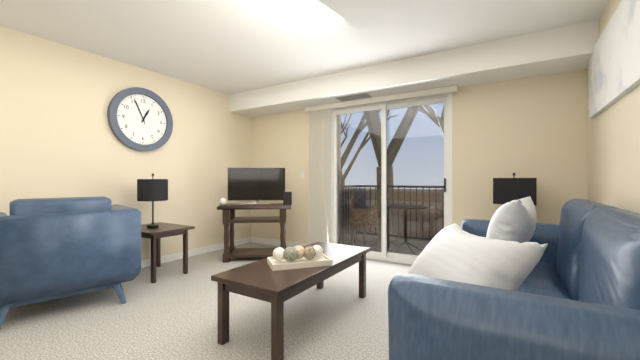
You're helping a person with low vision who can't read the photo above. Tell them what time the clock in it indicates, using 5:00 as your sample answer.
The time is 12:56
